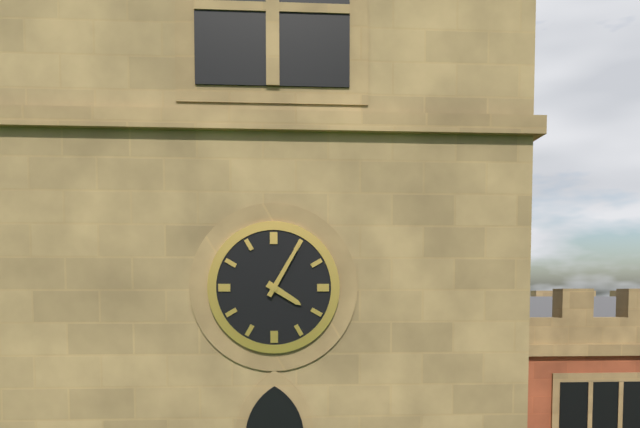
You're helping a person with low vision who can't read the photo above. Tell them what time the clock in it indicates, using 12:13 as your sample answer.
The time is 4:05
